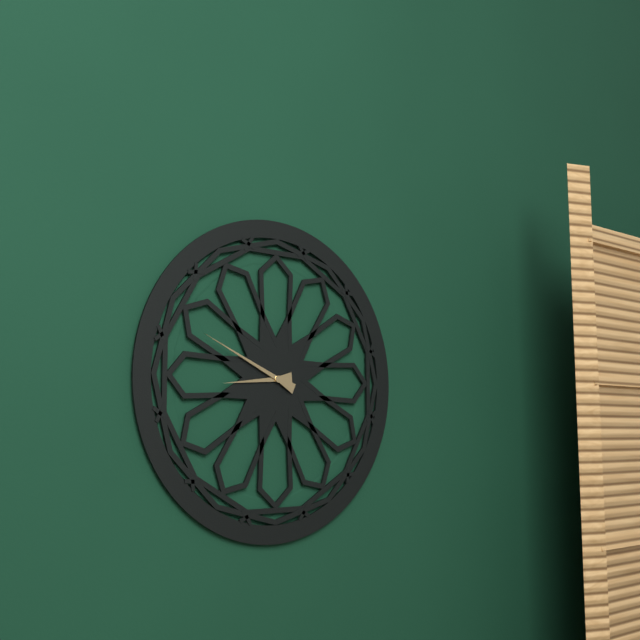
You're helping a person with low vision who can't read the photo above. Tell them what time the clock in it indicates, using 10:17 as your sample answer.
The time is 8:49
